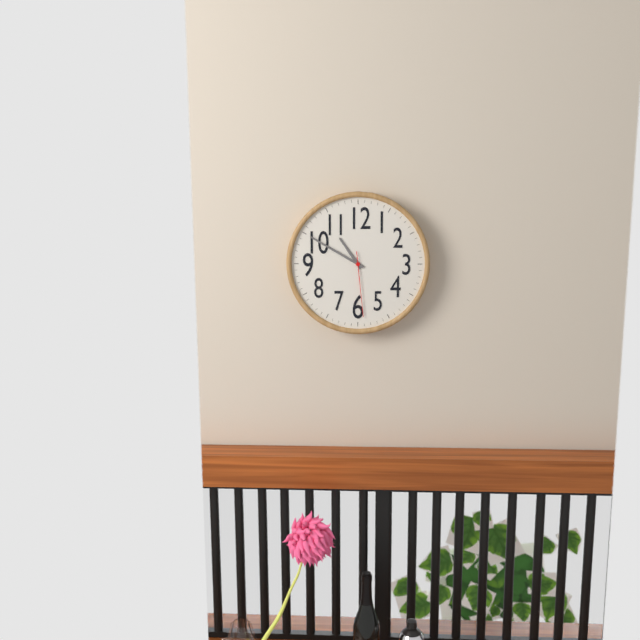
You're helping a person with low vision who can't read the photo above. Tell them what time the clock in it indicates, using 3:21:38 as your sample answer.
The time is 10:50:29
